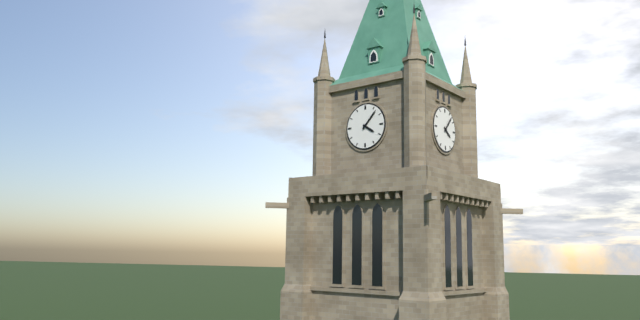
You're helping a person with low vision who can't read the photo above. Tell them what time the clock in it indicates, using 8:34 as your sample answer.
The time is 4:07
